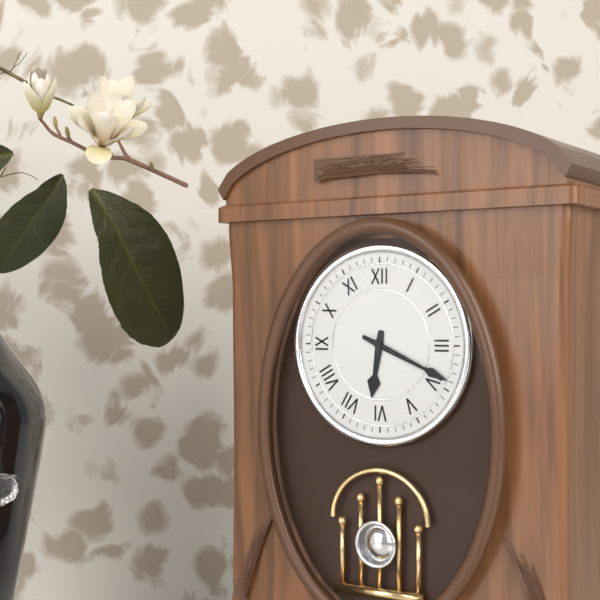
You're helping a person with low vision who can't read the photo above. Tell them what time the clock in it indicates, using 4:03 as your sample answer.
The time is 6:19
